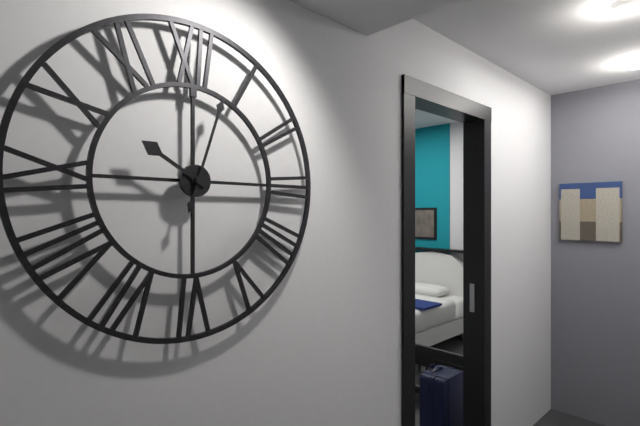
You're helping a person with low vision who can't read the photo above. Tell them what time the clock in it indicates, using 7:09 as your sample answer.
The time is 10:03
